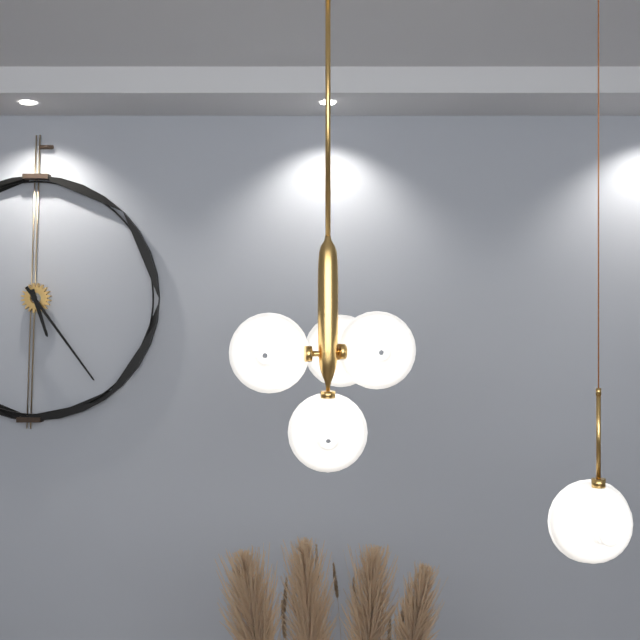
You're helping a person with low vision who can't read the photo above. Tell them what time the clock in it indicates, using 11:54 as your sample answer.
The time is 5:24
